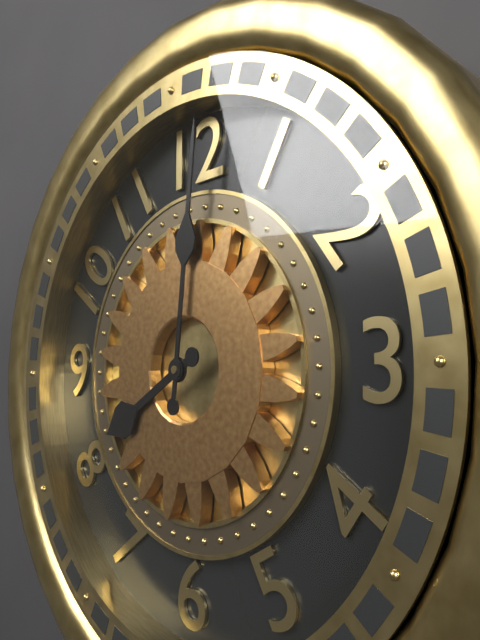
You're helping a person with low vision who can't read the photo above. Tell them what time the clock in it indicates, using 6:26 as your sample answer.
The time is 8:01
